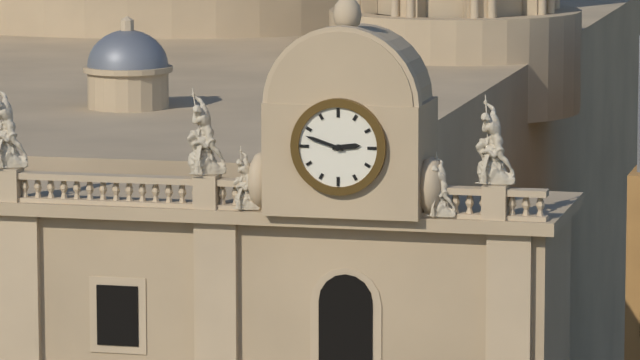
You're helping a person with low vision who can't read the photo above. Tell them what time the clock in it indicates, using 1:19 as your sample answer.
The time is 2:48
